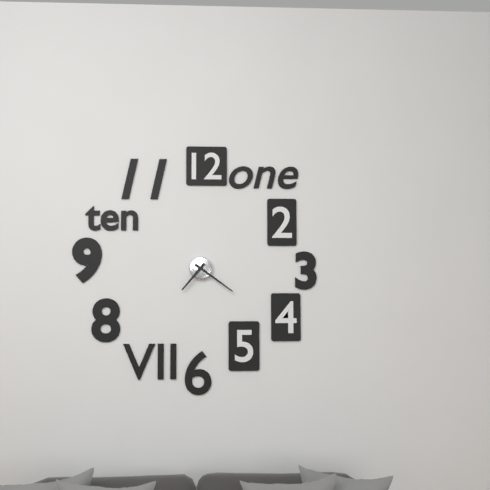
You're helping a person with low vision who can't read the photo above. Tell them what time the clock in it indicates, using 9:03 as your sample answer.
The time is 7:21
